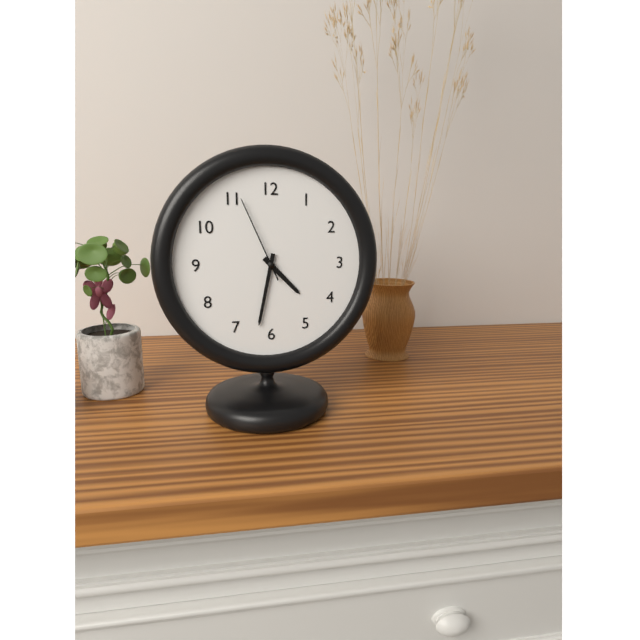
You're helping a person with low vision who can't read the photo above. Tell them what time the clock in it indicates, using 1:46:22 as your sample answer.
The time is 4:32:56
